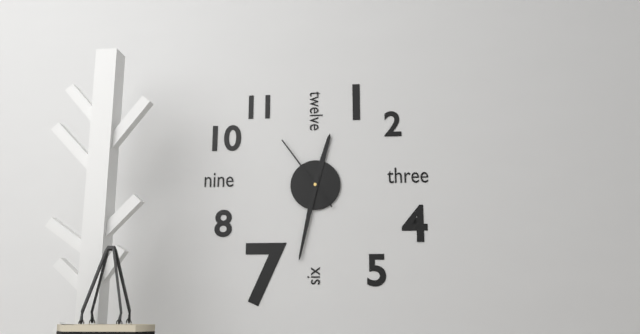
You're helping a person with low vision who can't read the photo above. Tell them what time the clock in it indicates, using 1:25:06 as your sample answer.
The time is 12:32:54
